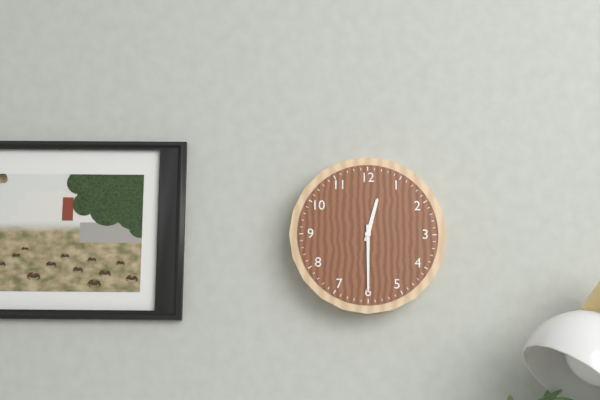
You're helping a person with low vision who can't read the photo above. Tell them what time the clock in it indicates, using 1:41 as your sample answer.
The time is 12:30
